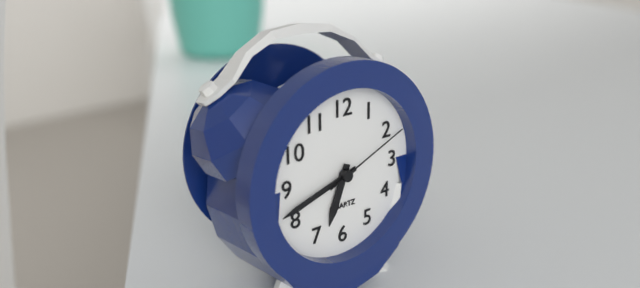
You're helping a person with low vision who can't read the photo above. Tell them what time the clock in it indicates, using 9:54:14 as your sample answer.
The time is 6:42:11
